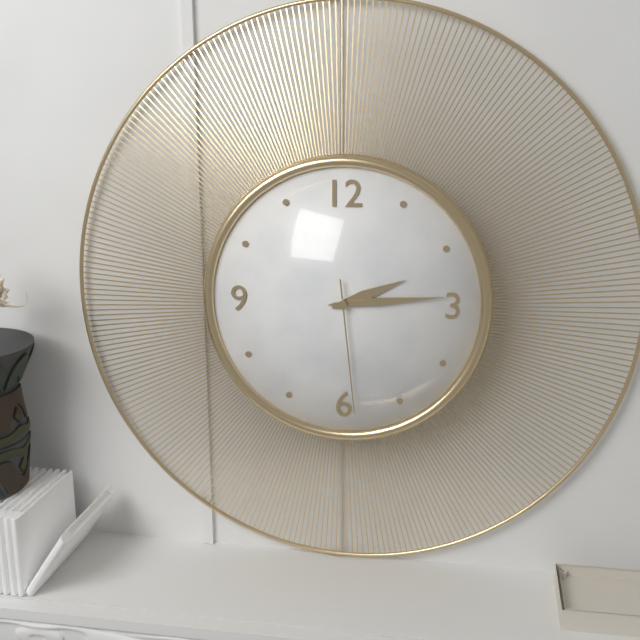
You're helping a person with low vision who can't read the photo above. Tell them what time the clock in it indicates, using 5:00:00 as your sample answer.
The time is 2:14:29
